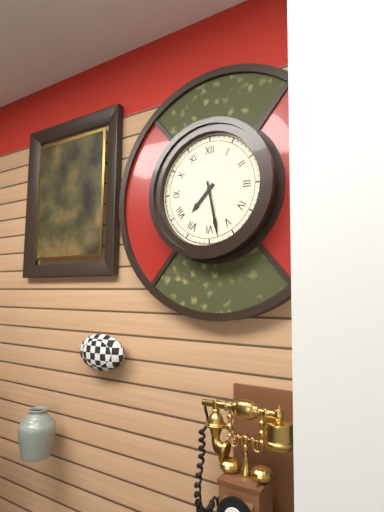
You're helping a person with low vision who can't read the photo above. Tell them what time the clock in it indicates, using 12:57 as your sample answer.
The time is 7:28
